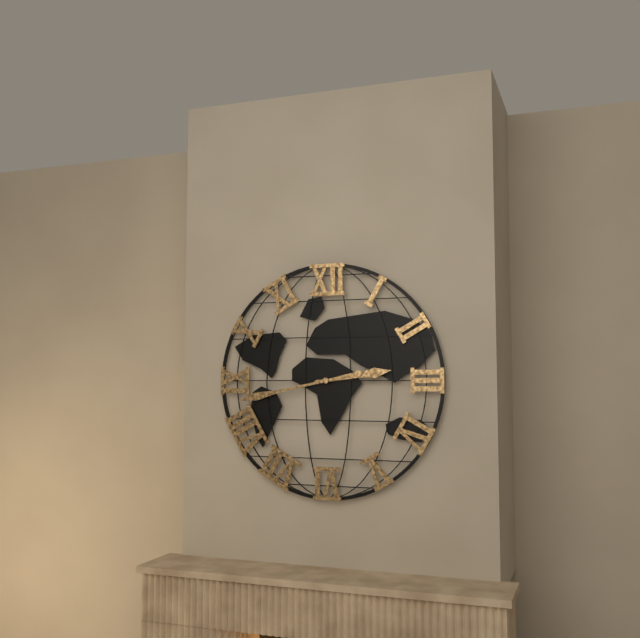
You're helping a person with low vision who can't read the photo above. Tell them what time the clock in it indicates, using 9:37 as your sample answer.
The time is 2:43
